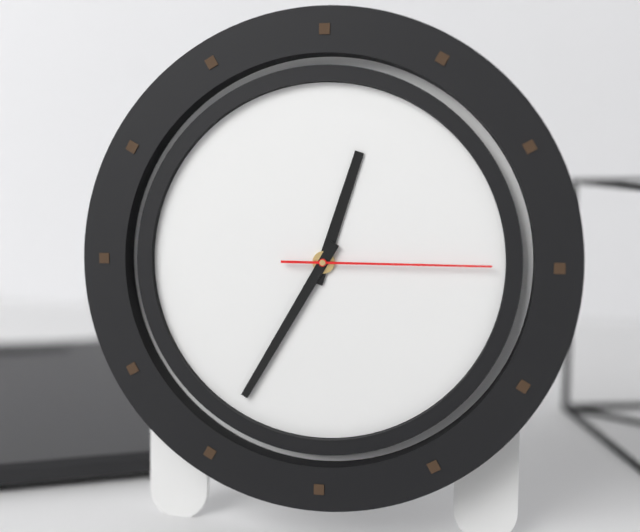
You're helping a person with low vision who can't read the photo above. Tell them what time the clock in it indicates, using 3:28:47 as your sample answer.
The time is 12:35:15
